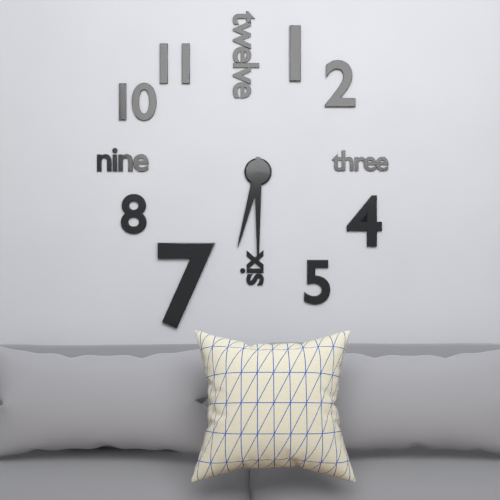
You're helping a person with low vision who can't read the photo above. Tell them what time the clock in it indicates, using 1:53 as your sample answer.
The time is 6:30
